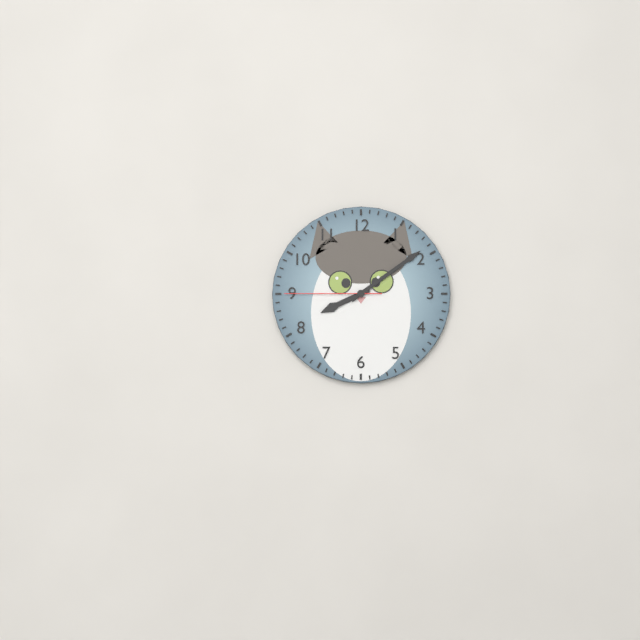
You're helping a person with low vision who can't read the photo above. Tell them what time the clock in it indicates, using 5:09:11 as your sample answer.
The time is 8:09:45
